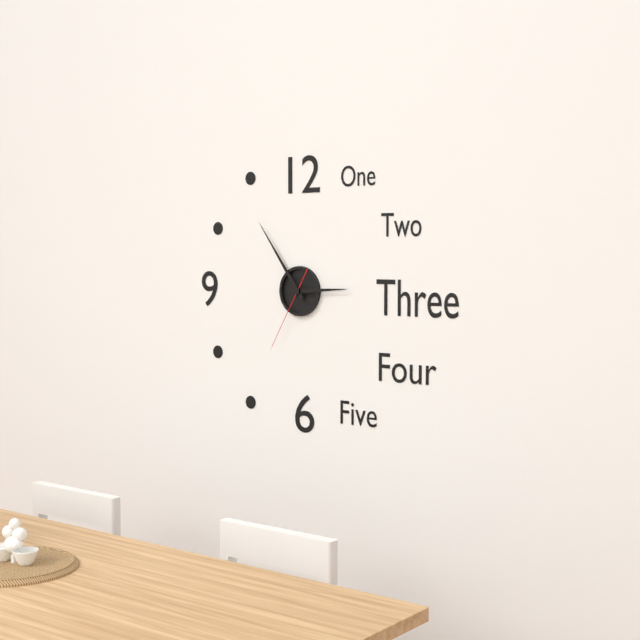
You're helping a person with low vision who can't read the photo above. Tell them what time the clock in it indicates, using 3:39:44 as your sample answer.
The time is 2:54:35
